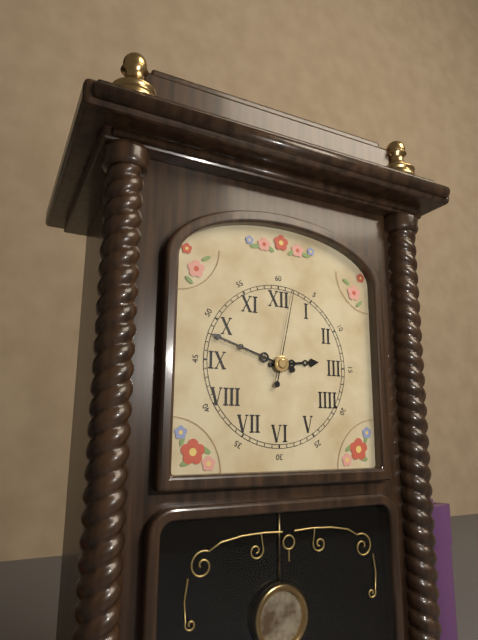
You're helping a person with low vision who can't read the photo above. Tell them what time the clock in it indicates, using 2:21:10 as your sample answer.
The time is 2:48:02
